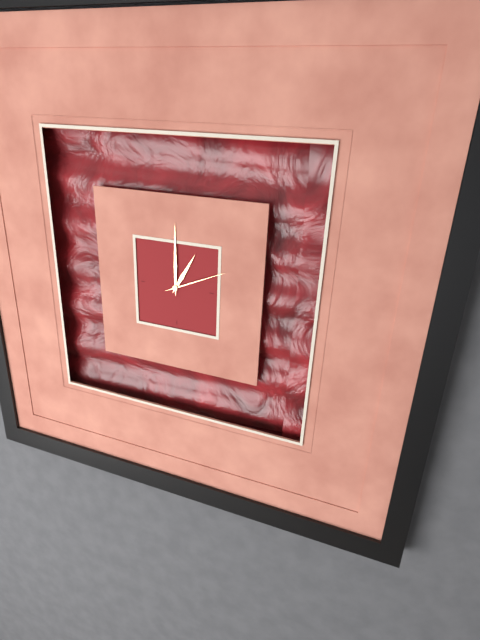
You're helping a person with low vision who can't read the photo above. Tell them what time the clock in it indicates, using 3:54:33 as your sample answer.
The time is 1:00:11
